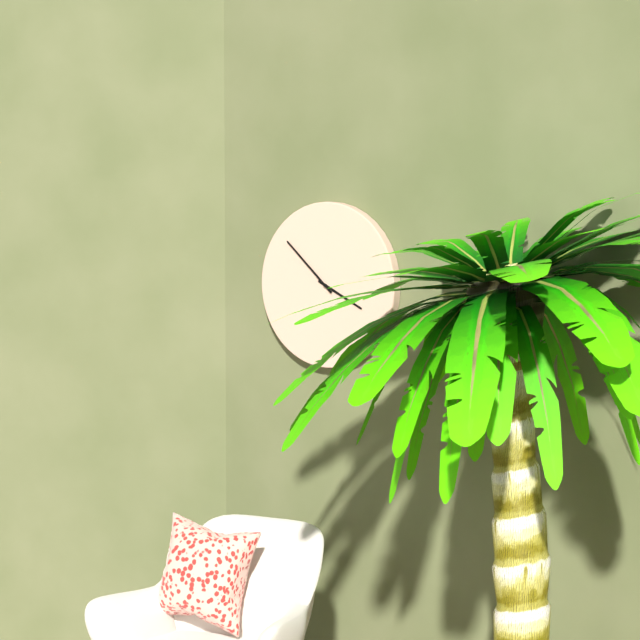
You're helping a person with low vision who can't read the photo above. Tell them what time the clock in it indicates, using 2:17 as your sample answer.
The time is 3:52
